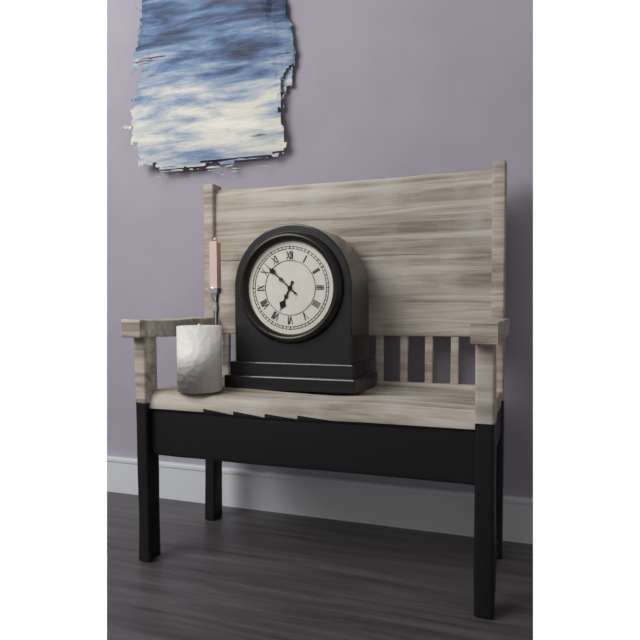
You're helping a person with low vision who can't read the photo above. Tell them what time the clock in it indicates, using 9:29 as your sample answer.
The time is 6:52
